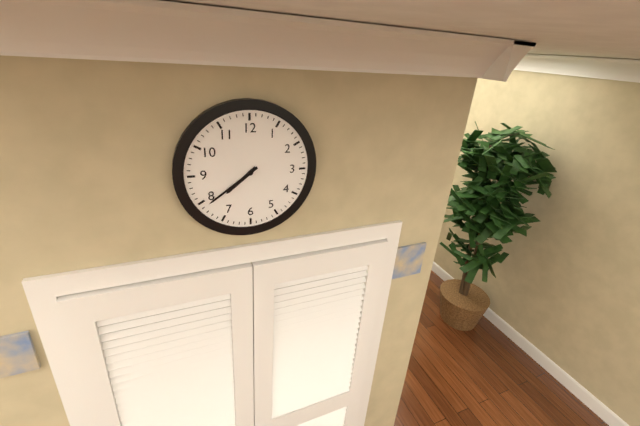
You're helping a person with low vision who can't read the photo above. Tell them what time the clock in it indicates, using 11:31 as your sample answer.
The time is 7:39
